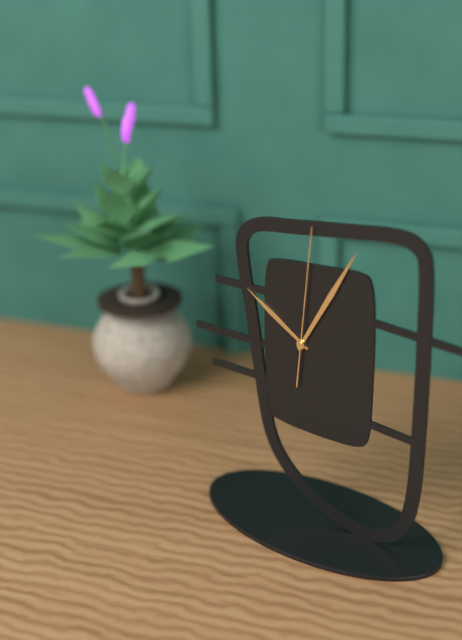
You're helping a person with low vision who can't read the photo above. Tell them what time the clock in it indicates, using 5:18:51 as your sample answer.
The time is 10:05:01
